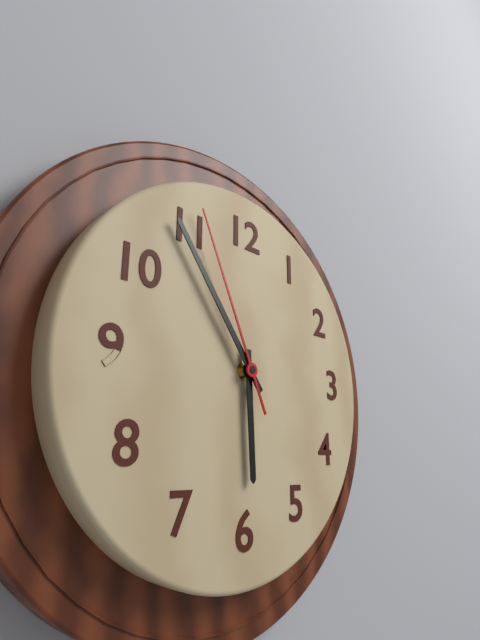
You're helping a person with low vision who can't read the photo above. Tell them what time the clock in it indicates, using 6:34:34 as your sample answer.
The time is 5:54:56
